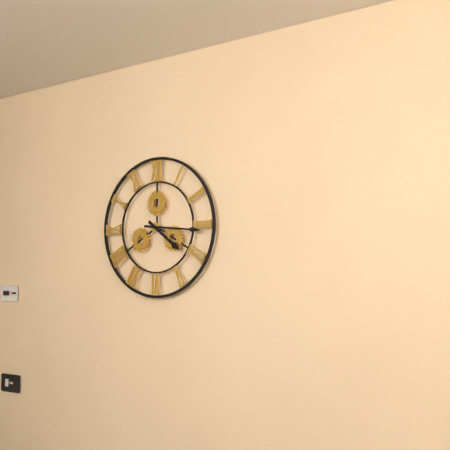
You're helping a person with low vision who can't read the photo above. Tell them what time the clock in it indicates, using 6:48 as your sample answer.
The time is 4:16
